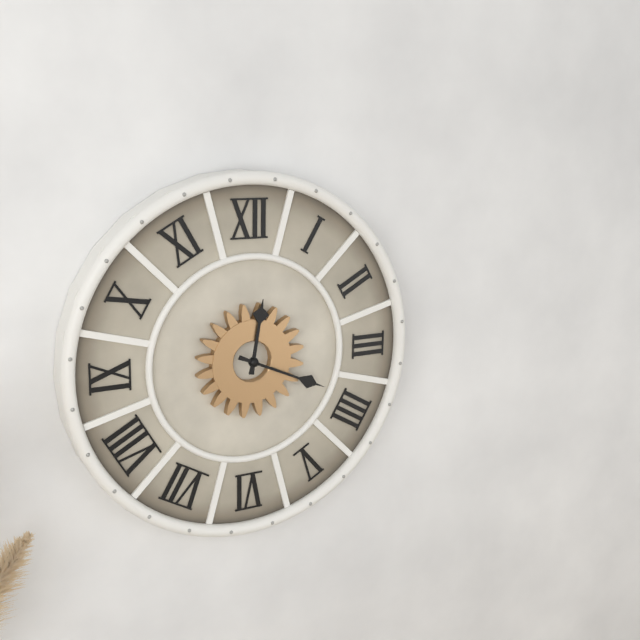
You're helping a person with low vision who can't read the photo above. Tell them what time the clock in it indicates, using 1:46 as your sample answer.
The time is 12:19
